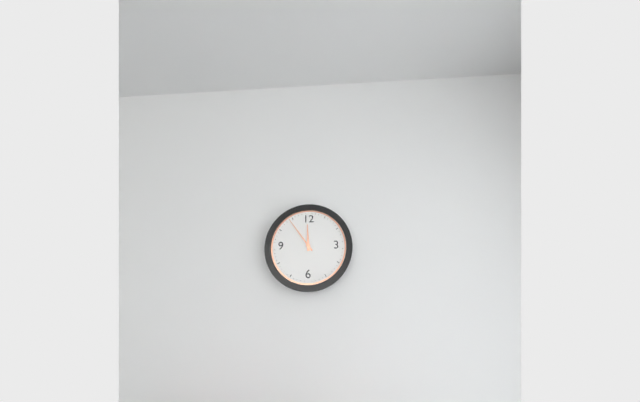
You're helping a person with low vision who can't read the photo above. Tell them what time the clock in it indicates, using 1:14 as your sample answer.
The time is 11:54
